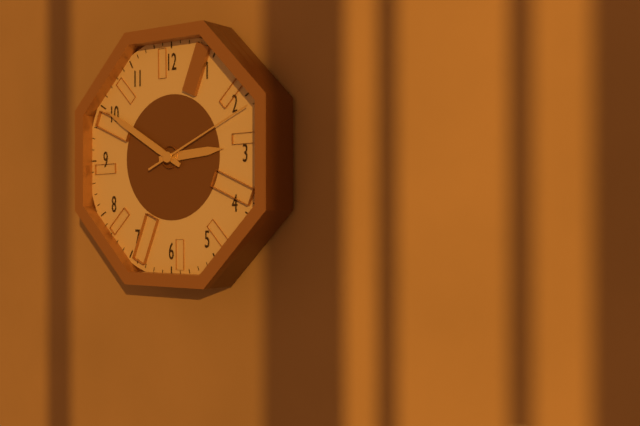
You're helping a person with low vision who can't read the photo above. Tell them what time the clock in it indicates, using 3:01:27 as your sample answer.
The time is 2:50:11
